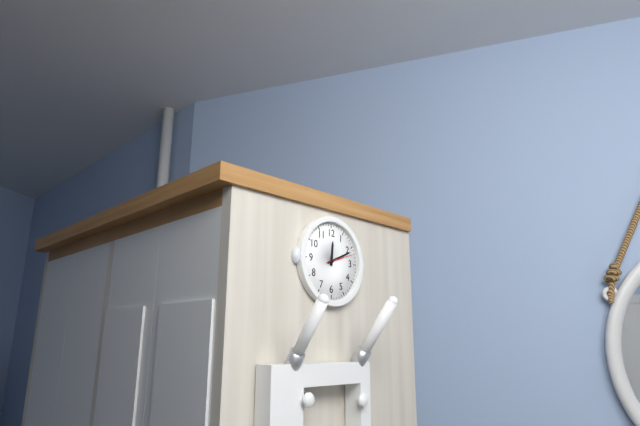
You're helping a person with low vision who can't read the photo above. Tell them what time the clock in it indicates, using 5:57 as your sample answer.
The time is 12:11
